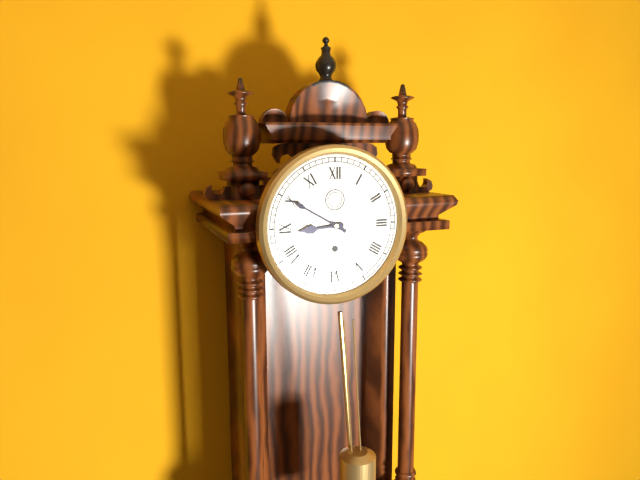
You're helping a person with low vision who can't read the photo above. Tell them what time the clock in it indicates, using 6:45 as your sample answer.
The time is 8:50
